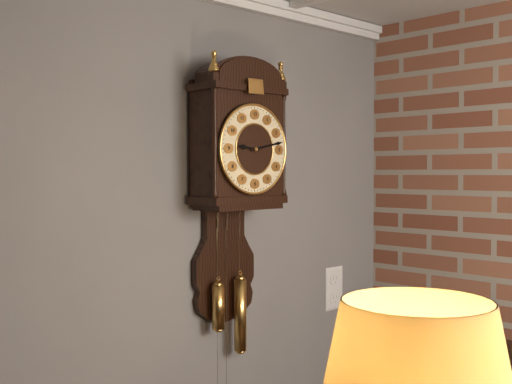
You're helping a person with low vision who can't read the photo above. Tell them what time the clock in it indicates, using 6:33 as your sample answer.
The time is 9:13
